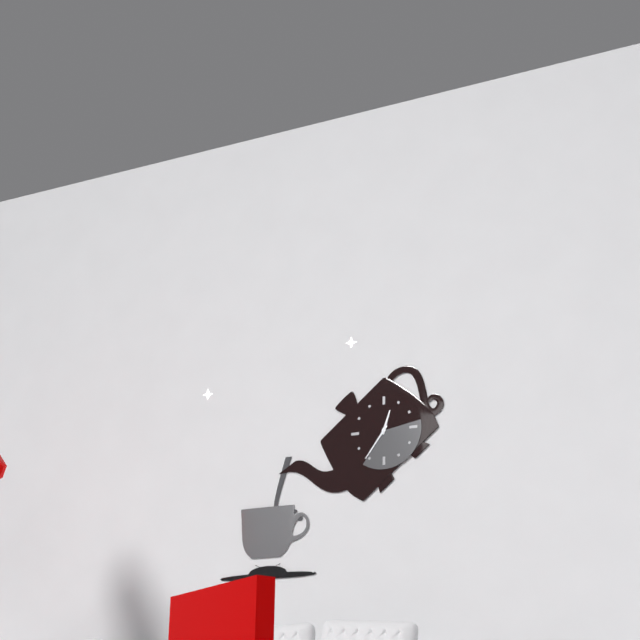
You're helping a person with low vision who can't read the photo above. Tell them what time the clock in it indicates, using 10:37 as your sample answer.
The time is 12:36
